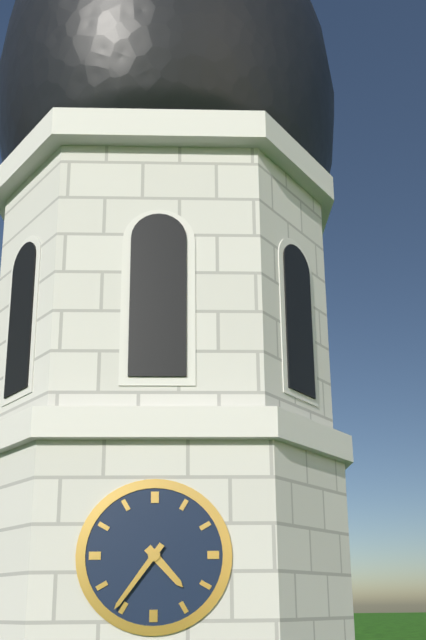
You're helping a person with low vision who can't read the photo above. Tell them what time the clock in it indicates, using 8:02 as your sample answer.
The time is 4:36
